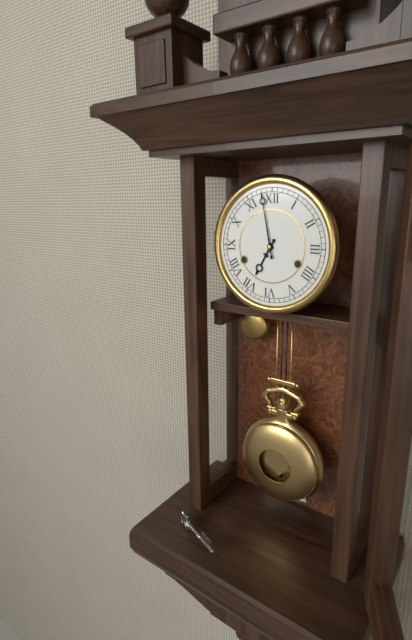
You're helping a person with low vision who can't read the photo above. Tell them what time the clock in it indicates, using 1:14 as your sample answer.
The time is 6:58
